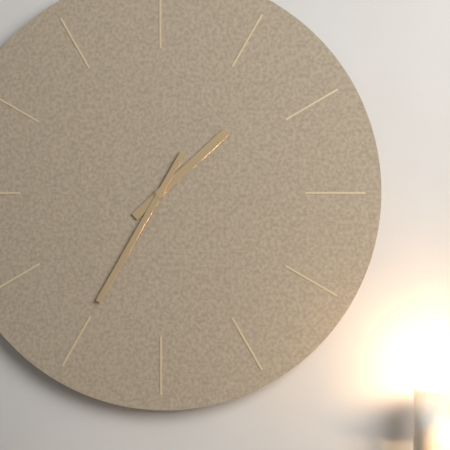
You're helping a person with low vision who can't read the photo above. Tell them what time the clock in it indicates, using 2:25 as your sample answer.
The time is 1:35
